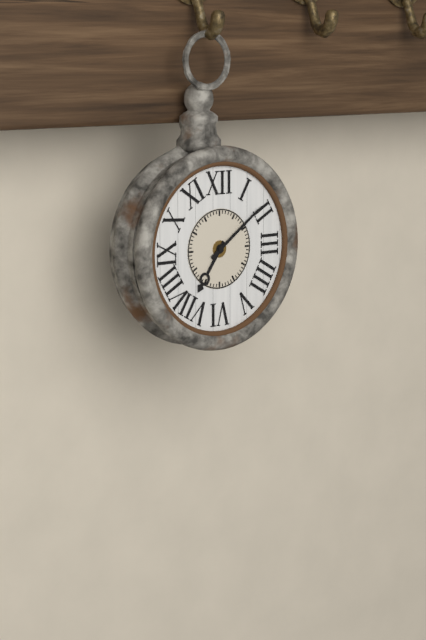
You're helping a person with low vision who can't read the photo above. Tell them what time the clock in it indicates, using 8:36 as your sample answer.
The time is 7:09
